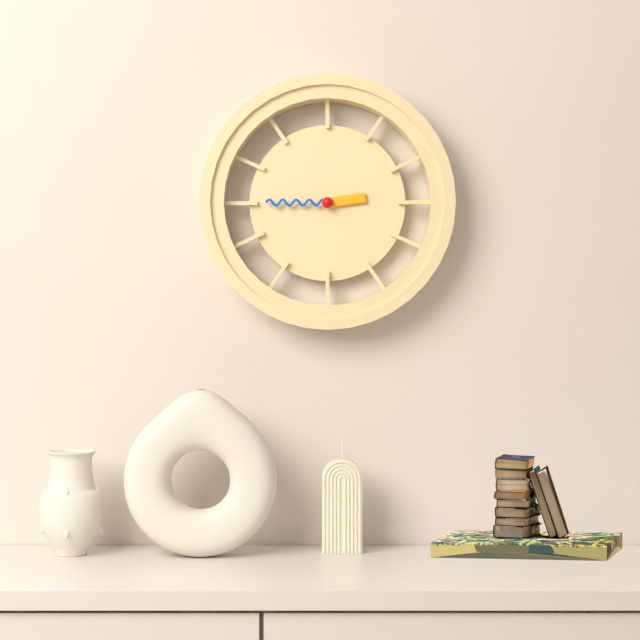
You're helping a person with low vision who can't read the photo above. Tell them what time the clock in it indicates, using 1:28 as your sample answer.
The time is 2:45
